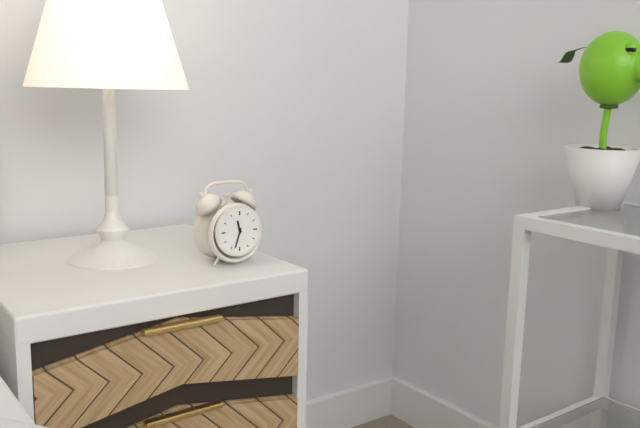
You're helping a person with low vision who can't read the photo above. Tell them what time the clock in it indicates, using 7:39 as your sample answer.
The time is 11:33
